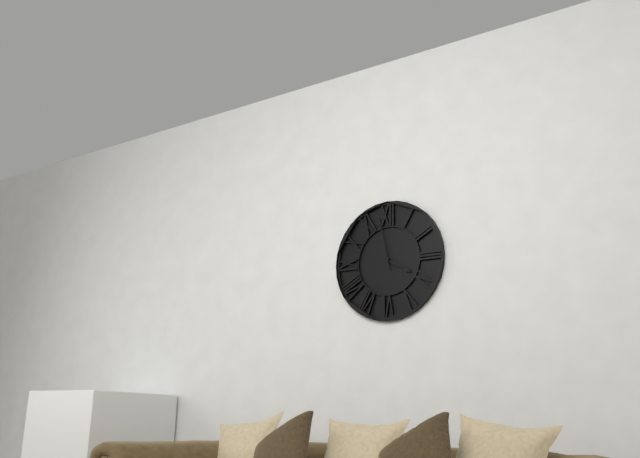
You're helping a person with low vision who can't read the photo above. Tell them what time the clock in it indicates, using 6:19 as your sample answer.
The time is 3:58
